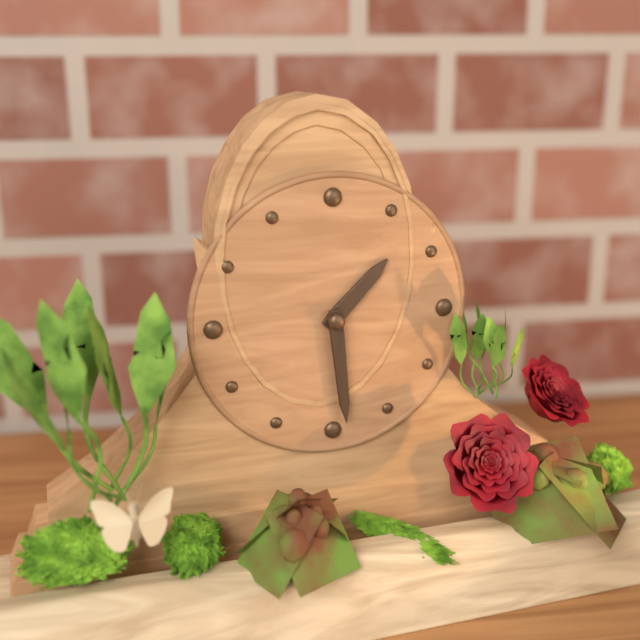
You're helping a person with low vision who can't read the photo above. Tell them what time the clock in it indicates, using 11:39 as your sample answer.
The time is 1:29
